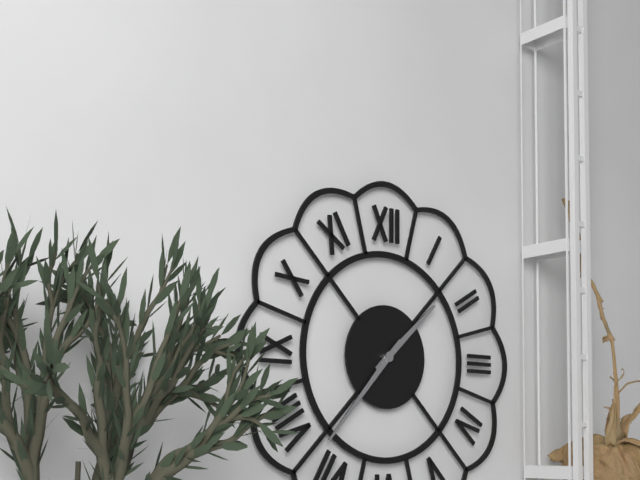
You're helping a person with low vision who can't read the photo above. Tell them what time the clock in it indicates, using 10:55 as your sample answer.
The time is 1:37
